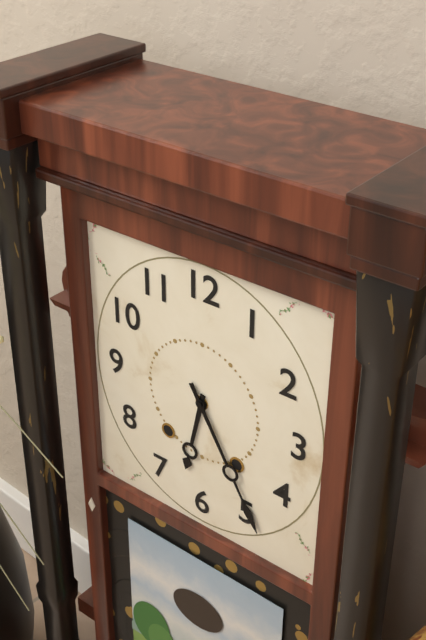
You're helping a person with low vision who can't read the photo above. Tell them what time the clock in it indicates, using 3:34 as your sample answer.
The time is 6:25
